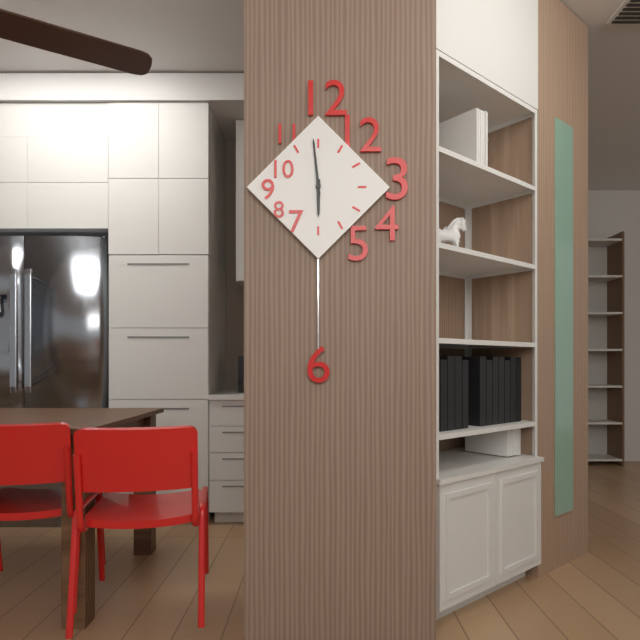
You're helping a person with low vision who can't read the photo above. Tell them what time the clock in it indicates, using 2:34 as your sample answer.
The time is 5:59
